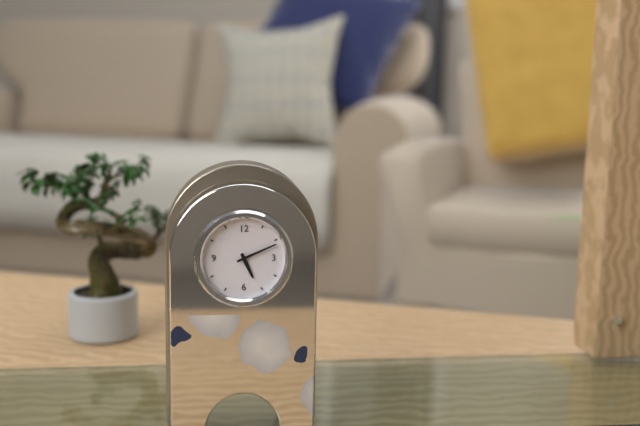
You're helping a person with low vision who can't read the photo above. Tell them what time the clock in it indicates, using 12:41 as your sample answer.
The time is 5:11
